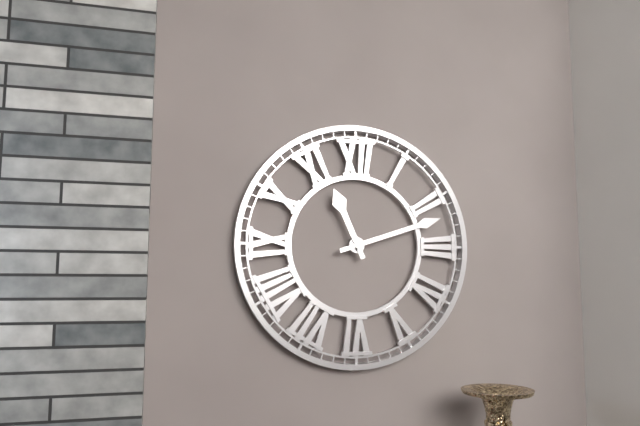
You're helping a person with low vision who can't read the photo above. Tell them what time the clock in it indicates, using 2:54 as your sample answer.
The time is 11:12
